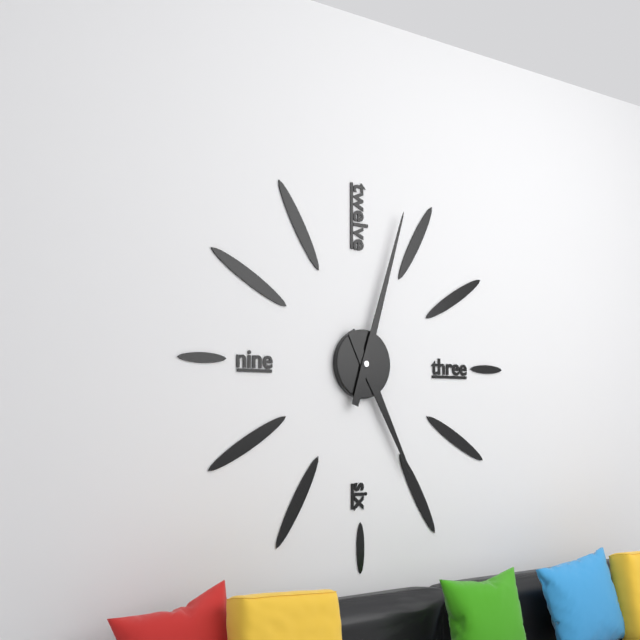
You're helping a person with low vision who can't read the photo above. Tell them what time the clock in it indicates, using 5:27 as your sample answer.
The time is 5:03
